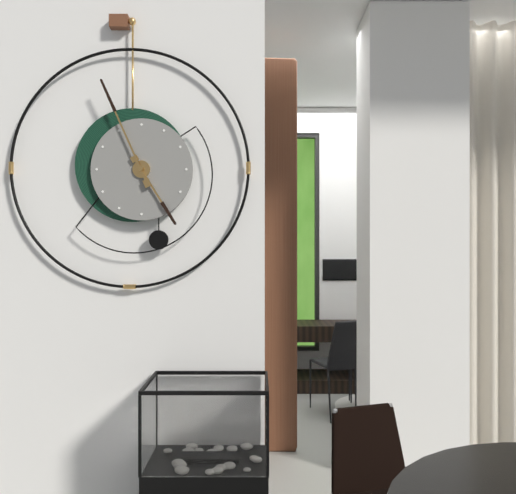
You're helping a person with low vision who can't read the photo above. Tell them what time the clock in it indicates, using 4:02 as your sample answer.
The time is 4:56
